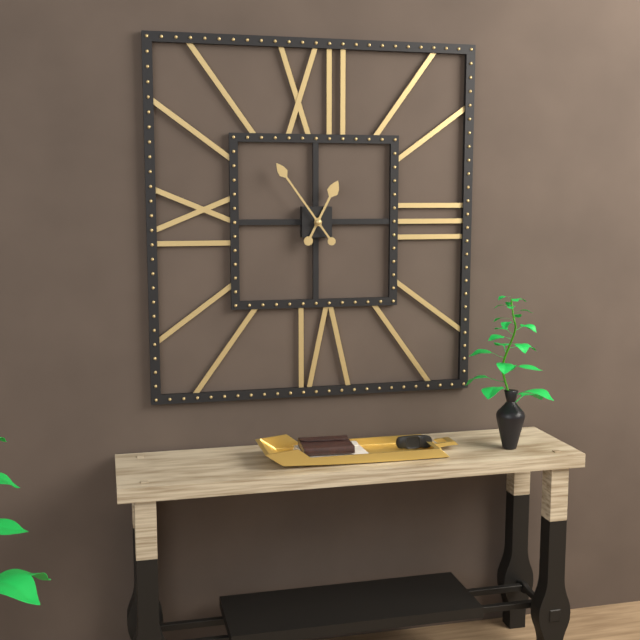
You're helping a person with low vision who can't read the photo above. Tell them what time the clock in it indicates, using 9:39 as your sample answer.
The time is 12:54
